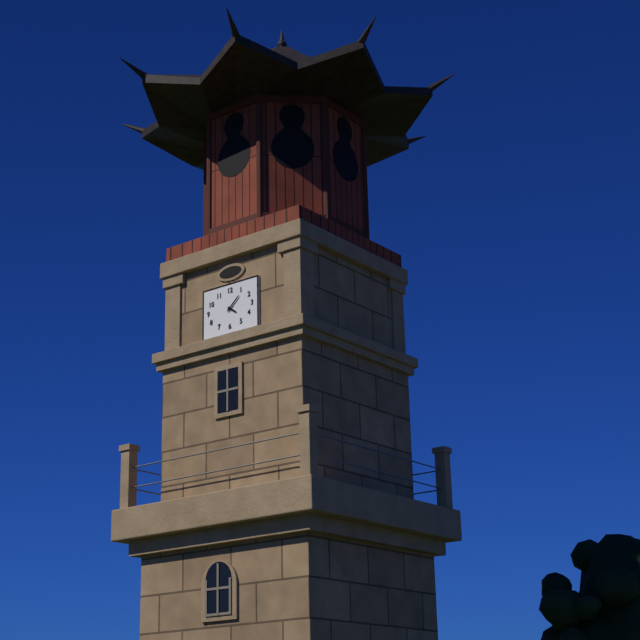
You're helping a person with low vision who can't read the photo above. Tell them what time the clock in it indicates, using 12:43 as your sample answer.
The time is 4:08
